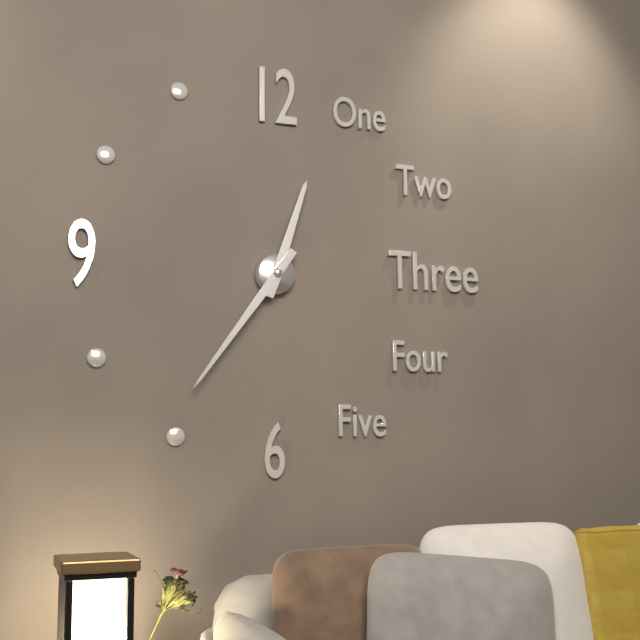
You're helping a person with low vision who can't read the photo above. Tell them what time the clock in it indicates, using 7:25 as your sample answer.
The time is 12:36
